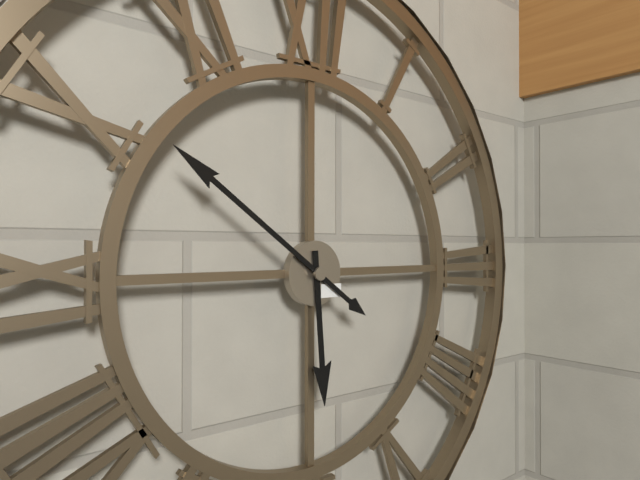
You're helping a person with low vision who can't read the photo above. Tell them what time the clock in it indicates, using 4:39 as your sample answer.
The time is 5:51
